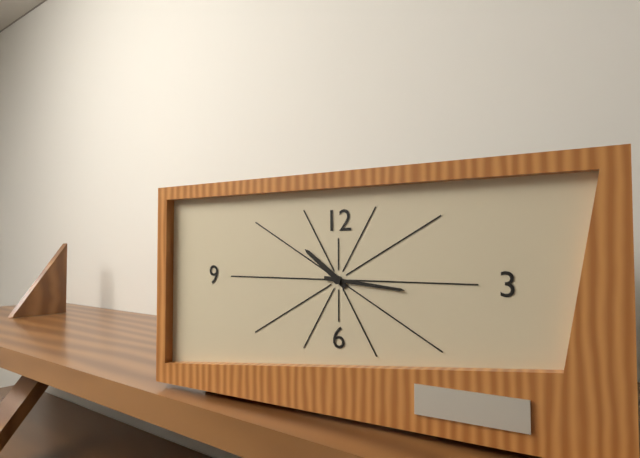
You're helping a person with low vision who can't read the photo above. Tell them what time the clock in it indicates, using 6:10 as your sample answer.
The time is 10:16
